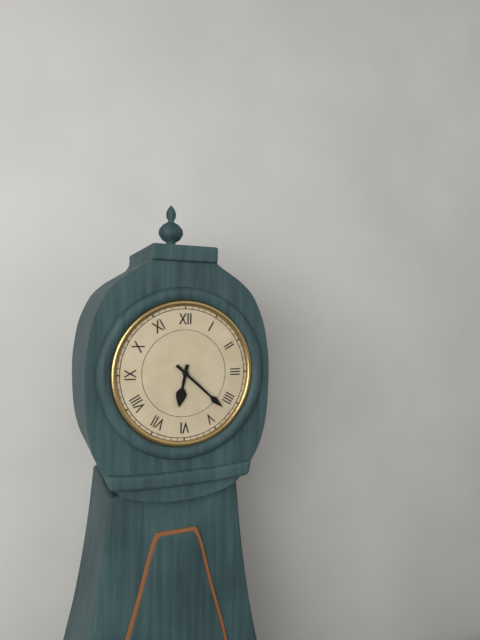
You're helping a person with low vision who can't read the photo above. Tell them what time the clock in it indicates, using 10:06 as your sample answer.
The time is 6:22
